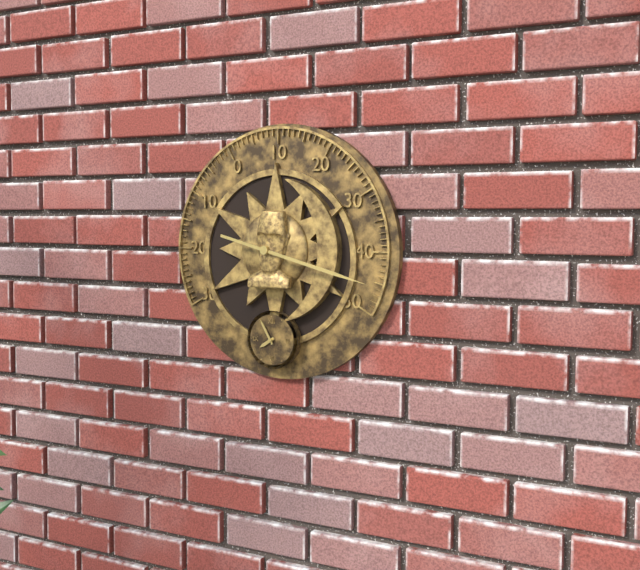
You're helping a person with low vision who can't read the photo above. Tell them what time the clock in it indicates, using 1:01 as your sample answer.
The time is 7:55
